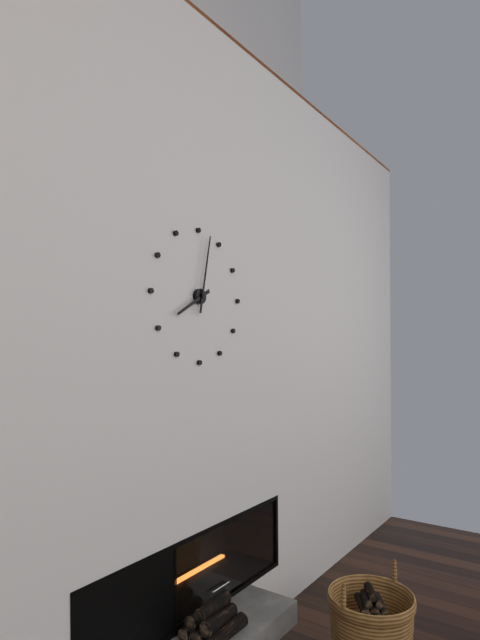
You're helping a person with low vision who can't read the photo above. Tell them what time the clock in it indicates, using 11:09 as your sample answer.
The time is 8:02
